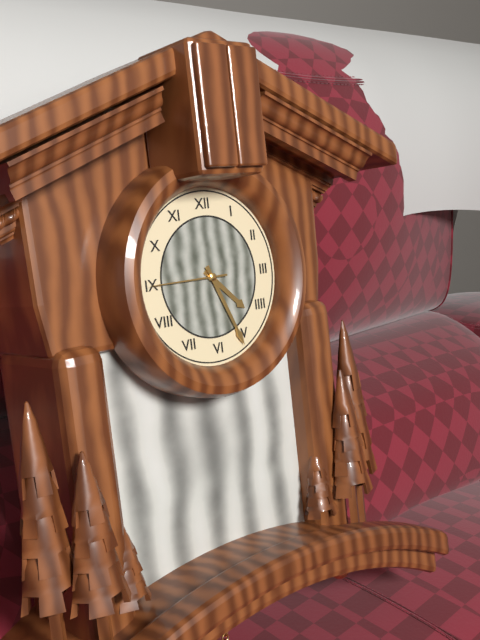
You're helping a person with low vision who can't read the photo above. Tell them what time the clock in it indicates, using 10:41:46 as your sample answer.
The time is 4:26:45
